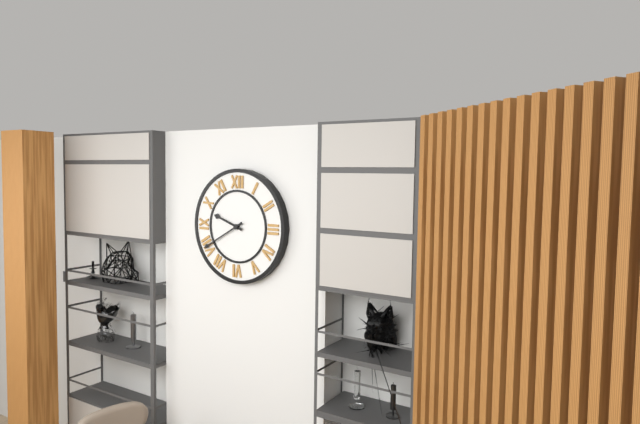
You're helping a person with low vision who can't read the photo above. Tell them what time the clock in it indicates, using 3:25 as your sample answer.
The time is 9:40
